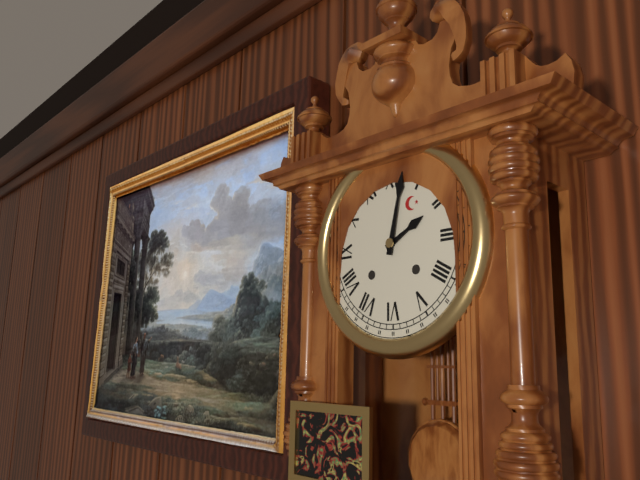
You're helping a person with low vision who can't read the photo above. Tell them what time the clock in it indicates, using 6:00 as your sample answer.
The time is 2:02
